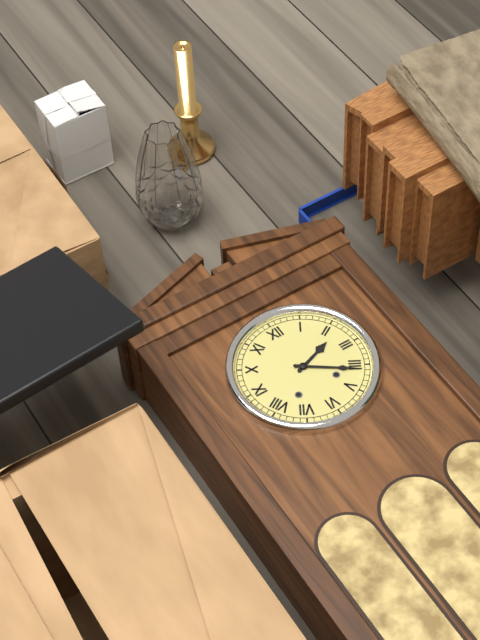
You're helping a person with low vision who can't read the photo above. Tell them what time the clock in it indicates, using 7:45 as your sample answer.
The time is 2:21
